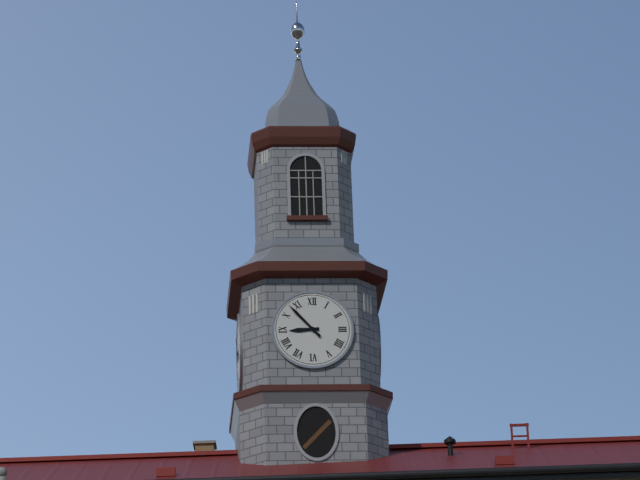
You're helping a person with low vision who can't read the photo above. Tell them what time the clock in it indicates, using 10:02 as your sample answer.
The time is 8:53
